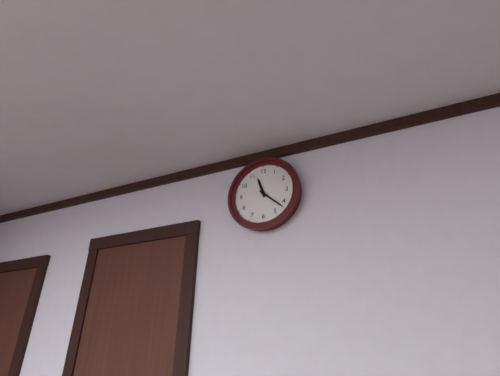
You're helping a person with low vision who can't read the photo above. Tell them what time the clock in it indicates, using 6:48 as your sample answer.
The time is 11:22
